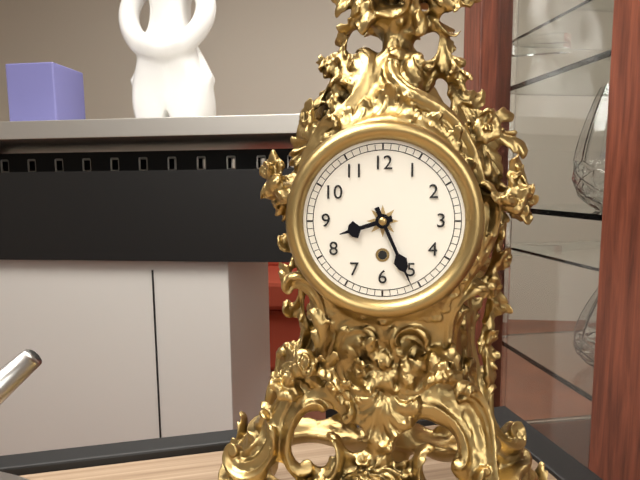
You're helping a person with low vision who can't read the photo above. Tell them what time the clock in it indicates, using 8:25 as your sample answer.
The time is 8:26
